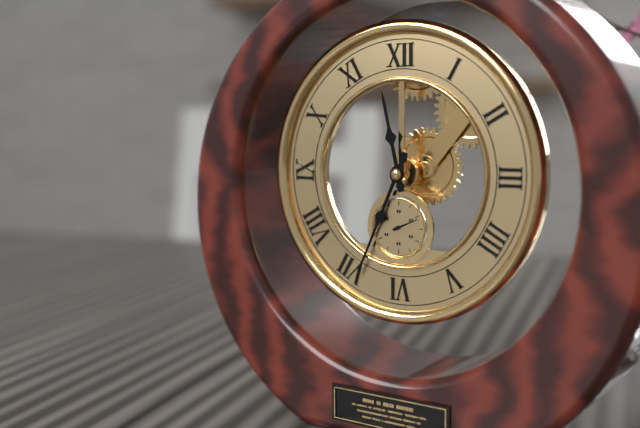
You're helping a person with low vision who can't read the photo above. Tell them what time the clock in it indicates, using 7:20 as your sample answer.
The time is 11:34
